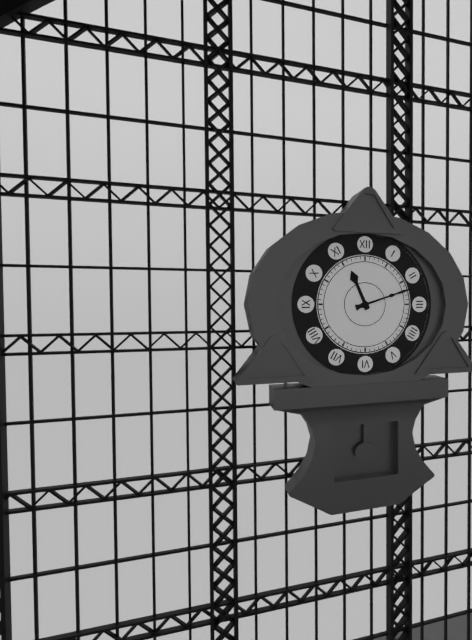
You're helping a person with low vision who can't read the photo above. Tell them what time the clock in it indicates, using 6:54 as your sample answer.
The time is 11:12
